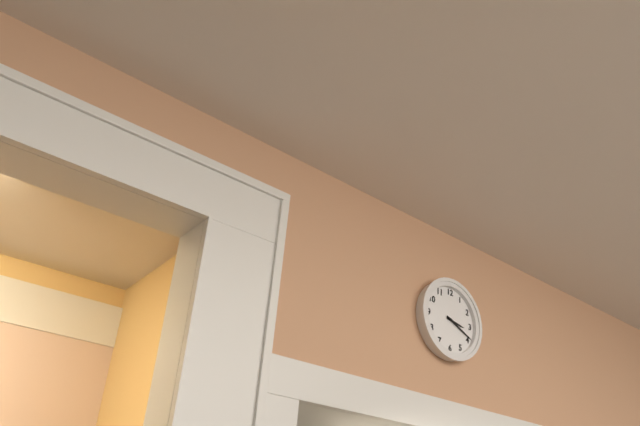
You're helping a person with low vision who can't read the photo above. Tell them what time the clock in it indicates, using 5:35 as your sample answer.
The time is 3:19
